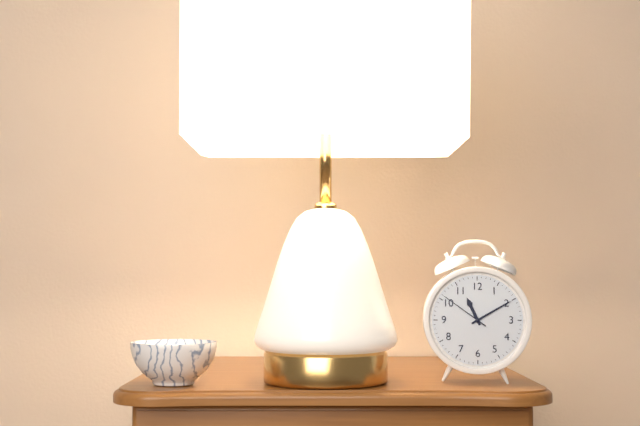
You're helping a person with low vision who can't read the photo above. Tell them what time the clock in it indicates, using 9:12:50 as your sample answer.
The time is 11:10:51
